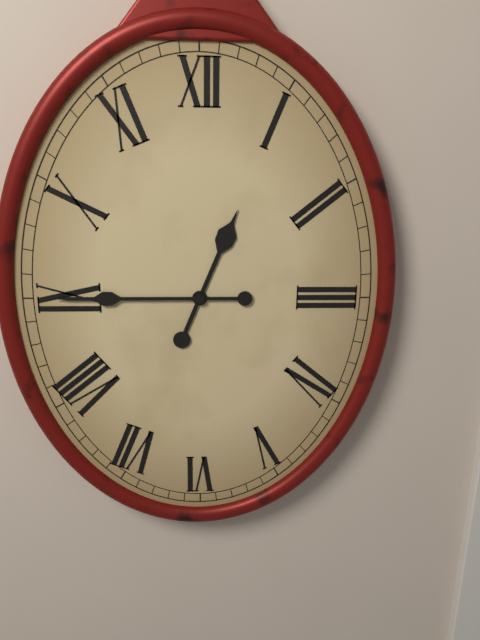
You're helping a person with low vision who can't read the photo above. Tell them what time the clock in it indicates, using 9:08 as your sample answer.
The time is 12:45
